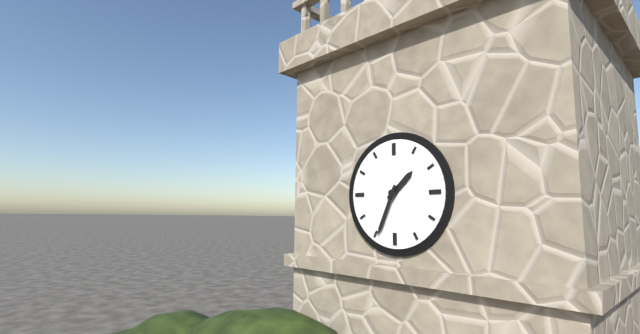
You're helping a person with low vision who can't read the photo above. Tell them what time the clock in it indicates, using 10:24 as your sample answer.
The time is 1:34
